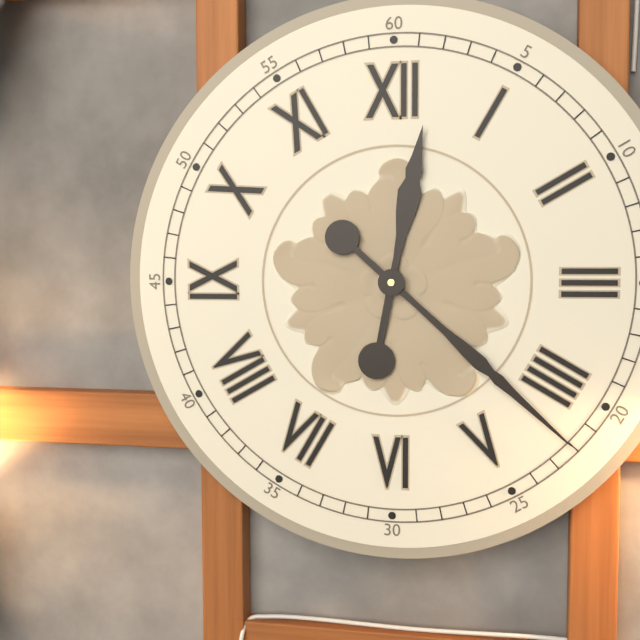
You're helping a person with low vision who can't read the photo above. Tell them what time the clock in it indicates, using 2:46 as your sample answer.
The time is 12:22
